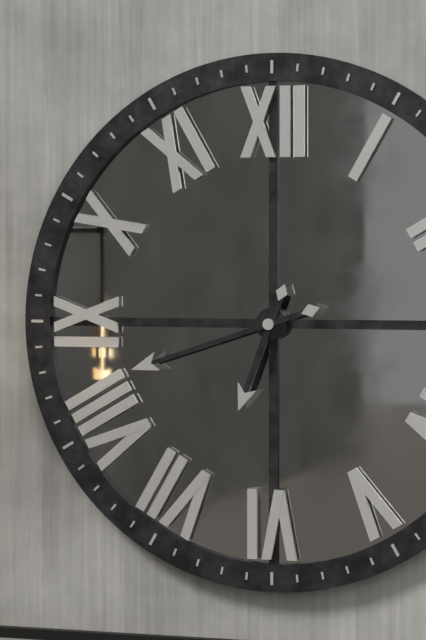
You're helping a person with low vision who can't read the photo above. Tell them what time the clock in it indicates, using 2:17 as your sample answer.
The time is 6:42
